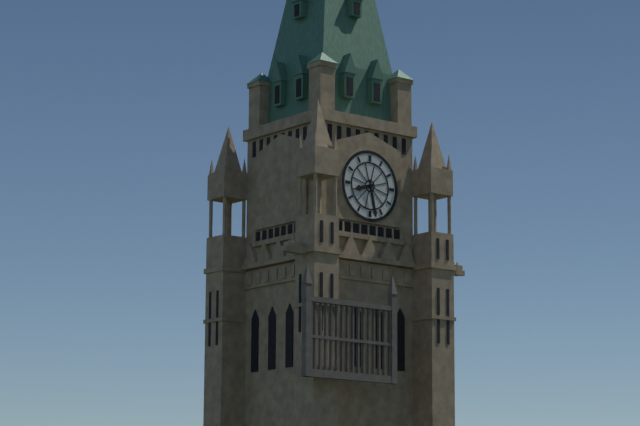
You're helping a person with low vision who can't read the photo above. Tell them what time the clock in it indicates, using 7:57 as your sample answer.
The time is 8:28
